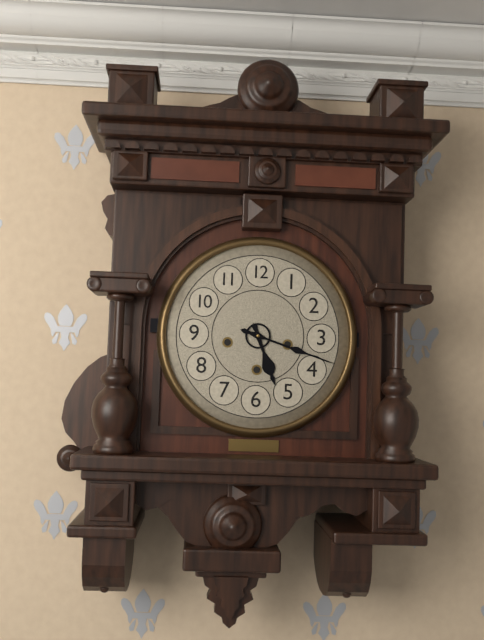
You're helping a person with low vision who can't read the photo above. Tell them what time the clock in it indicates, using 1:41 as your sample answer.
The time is 5:18
